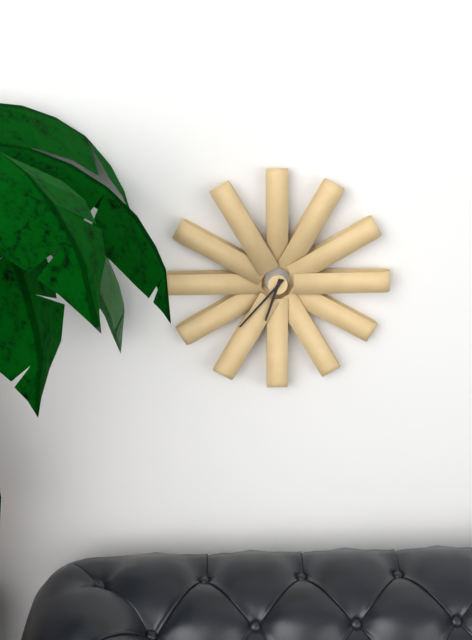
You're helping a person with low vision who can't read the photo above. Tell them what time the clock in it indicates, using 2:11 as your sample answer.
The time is 6:37
